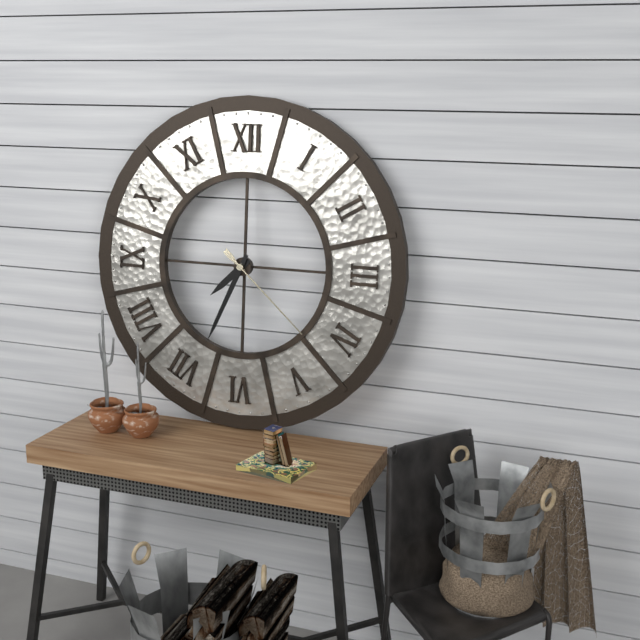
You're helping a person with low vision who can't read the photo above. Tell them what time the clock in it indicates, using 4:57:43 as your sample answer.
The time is 7:34:22
